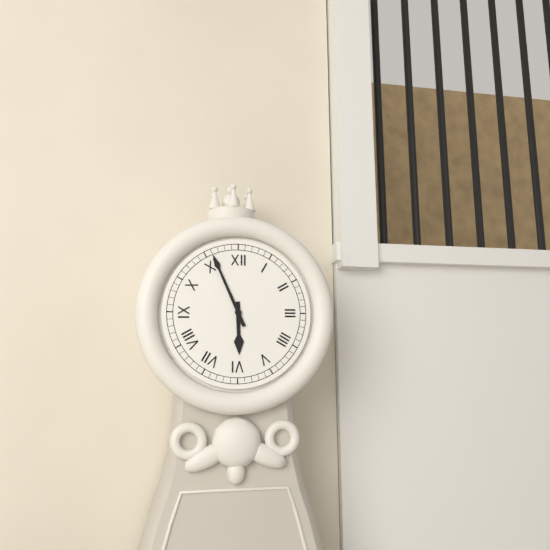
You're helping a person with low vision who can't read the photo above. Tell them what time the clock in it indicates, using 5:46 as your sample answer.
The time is 5:56
